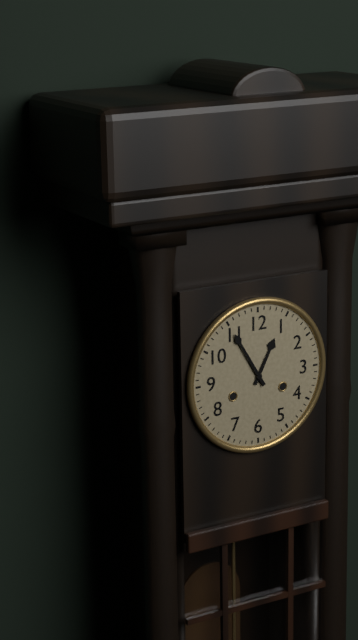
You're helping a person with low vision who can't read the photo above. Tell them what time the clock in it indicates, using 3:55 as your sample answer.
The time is 12:55
